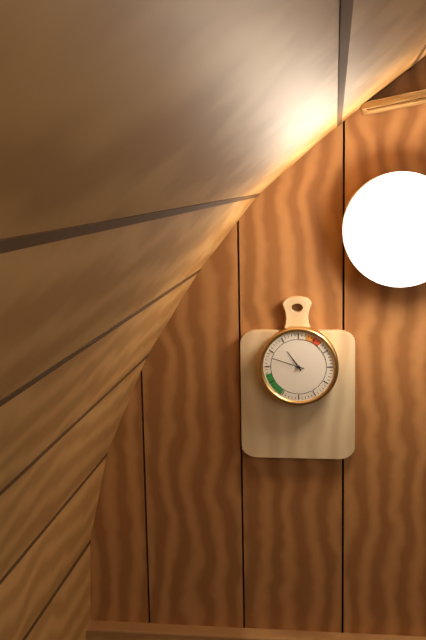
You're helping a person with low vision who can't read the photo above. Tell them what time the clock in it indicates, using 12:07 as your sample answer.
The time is 10:48
